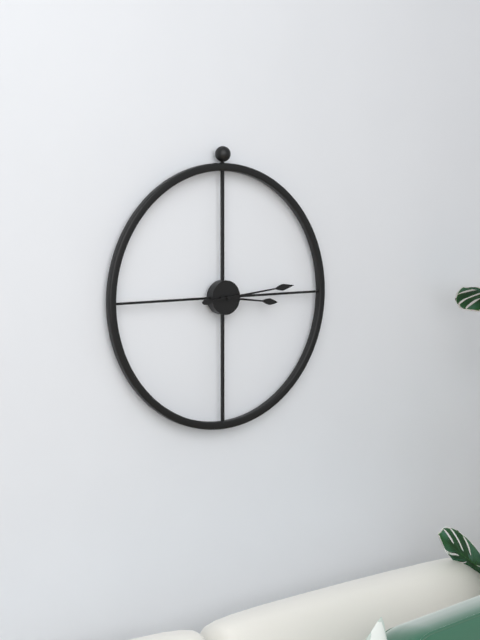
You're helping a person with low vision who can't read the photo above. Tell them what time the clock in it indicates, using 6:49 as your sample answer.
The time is 3:14
